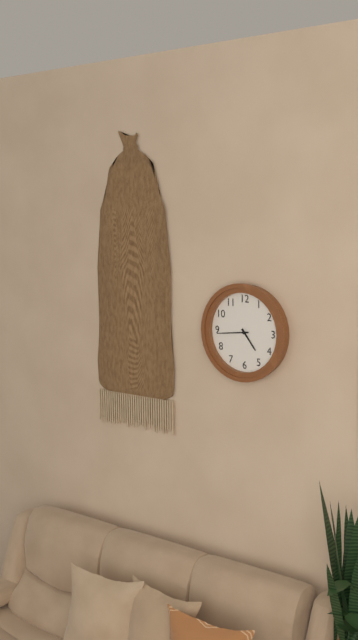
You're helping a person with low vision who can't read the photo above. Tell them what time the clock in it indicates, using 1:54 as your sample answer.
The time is 4:44
